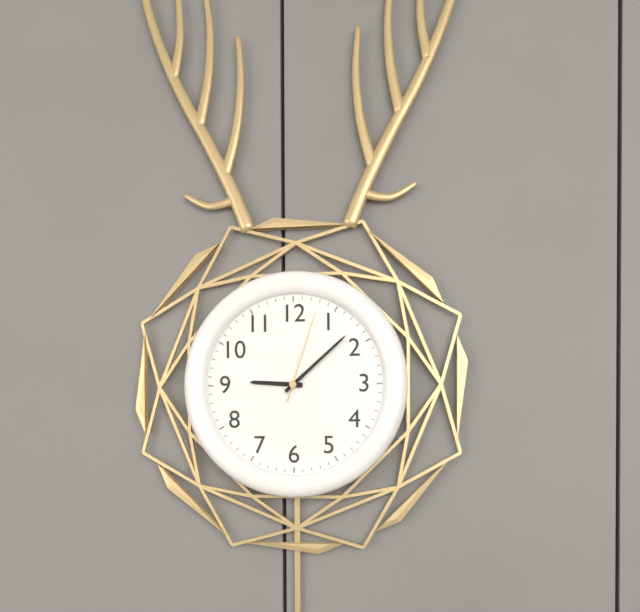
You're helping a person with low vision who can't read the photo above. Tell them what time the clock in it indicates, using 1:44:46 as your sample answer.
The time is 9:08:03
